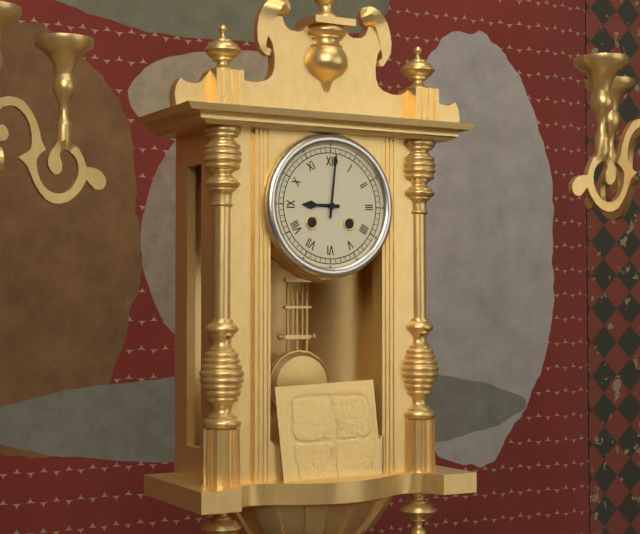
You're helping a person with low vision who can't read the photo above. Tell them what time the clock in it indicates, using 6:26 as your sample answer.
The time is 9:01
